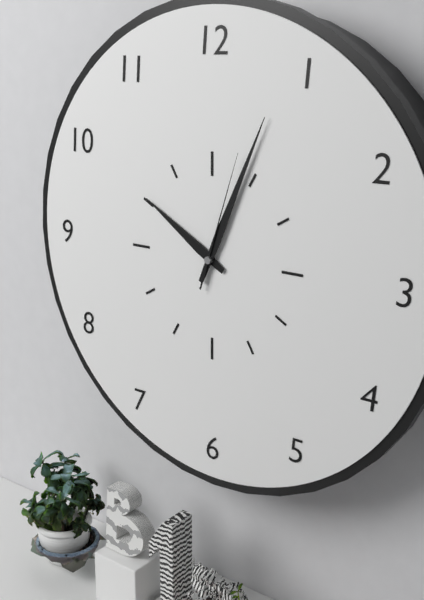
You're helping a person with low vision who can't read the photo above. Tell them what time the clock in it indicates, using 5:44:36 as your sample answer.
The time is 10:04:03
